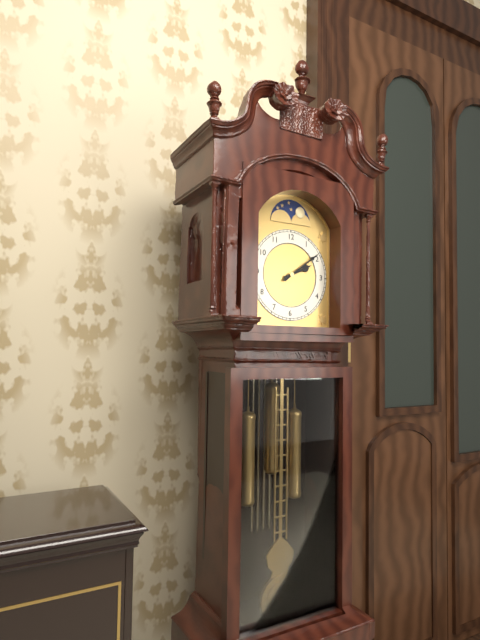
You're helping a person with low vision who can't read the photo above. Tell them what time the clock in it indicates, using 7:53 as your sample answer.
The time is 2:09
